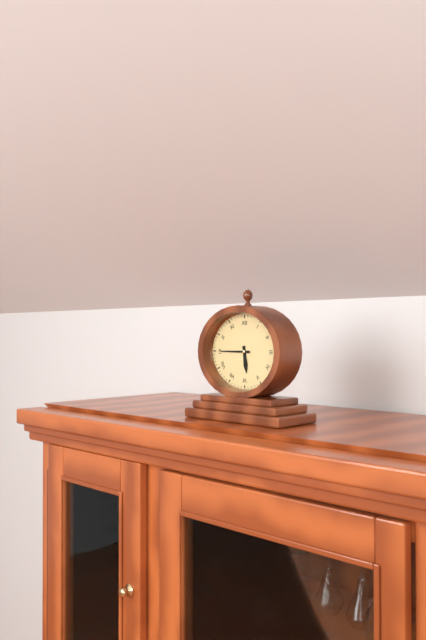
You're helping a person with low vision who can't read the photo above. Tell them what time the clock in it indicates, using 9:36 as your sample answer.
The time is 5:45
